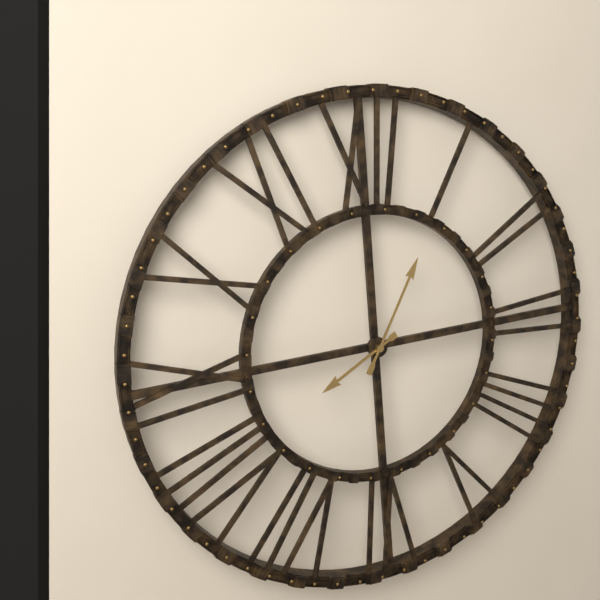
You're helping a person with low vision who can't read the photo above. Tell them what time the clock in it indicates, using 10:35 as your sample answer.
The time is 8:05
